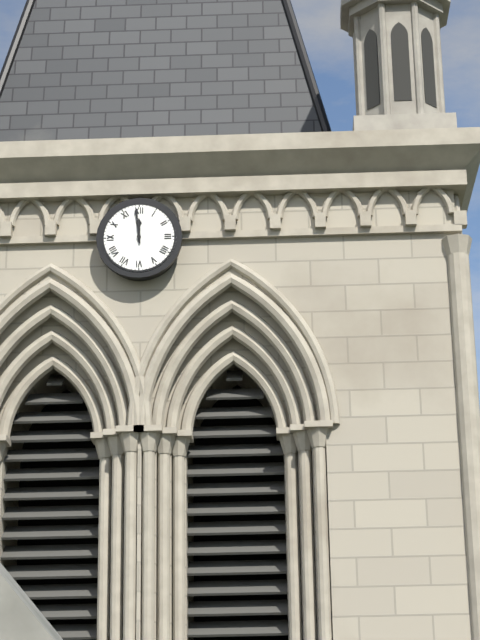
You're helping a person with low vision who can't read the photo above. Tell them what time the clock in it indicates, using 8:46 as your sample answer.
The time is 11:59
